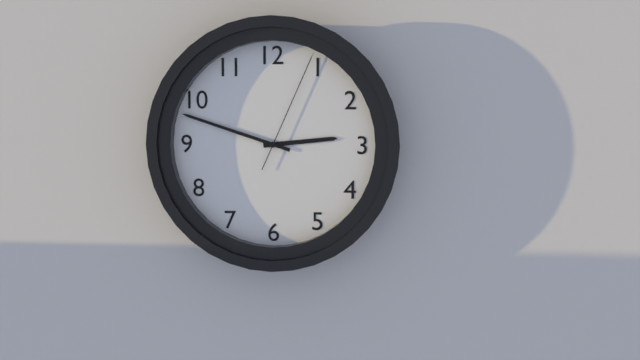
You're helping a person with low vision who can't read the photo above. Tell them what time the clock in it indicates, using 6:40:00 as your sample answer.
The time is 2:48:04
